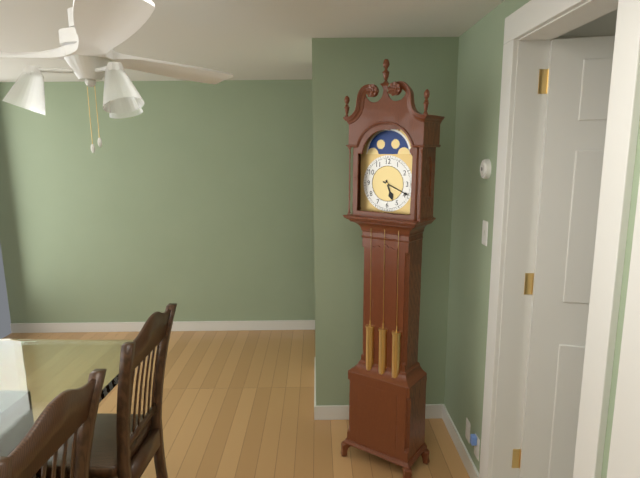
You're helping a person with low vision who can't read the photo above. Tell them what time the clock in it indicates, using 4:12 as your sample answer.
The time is 5:19
